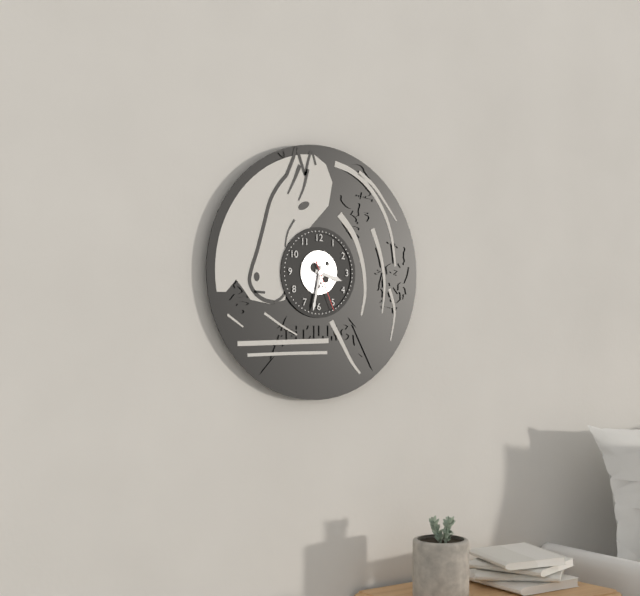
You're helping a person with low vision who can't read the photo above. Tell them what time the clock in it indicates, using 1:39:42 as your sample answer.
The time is 3:32:26
